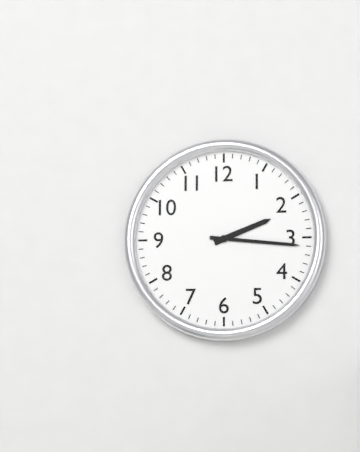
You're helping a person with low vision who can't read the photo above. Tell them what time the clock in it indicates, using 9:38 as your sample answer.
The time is 2:16
